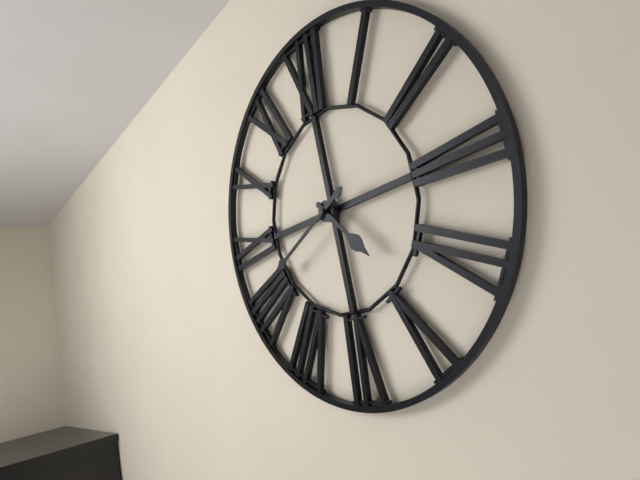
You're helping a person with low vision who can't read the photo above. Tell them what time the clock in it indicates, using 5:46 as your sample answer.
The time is 4:41
